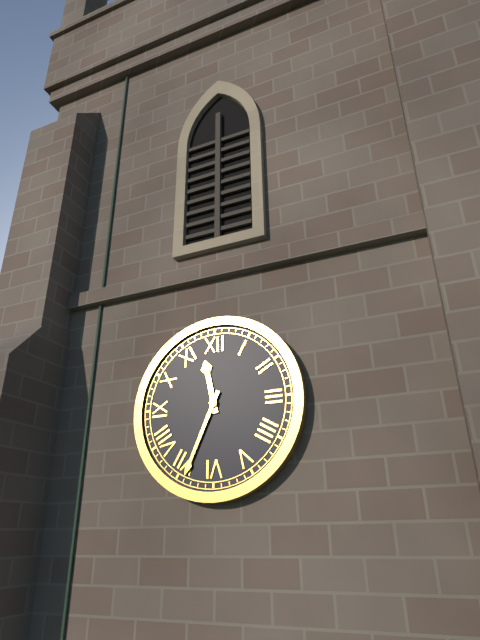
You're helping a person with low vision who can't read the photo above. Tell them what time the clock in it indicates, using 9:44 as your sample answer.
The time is 11:34
